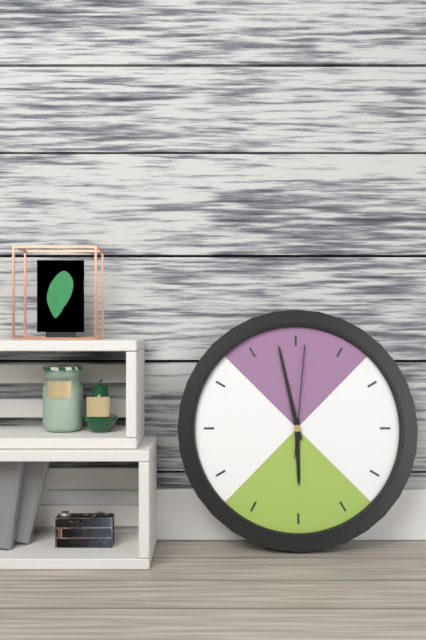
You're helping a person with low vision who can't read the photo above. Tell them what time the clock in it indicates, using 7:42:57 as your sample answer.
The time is 5:58:01
